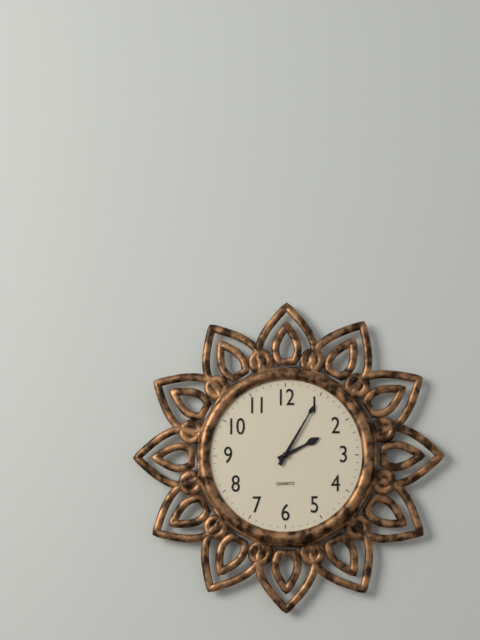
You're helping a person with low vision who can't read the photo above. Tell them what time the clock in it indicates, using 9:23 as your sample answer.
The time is 2:05
